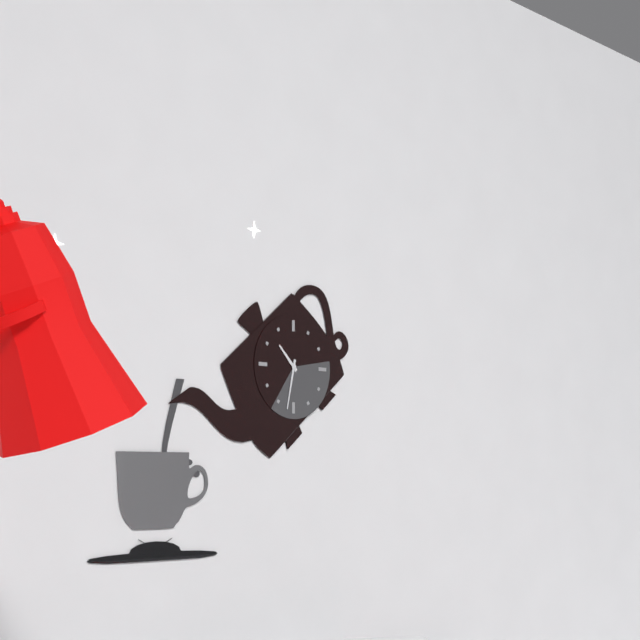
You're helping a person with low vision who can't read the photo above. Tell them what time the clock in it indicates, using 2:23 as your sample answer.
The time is 10:32
